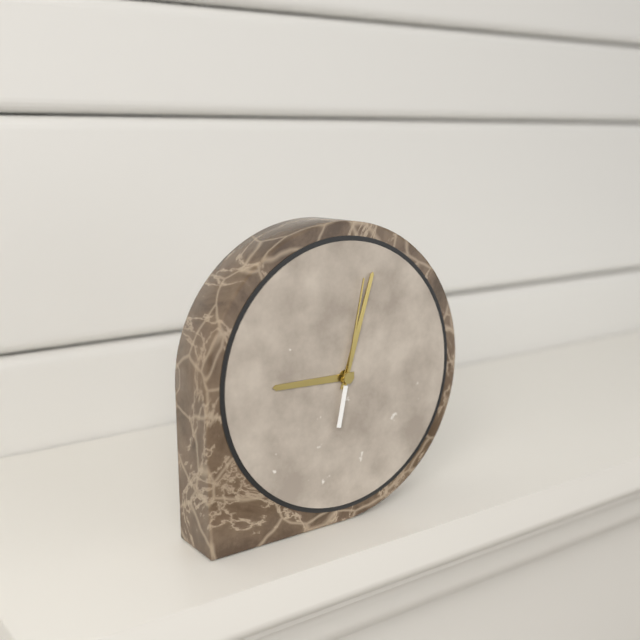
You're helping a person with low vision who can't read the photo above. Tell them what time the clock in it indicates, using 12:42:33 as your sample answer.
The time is 9:03:02
